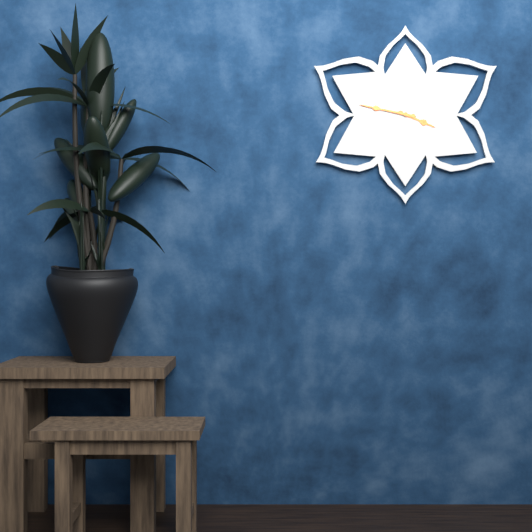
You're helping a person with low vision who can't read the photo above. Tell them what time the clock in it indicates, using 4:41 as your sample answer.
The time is 3:47
